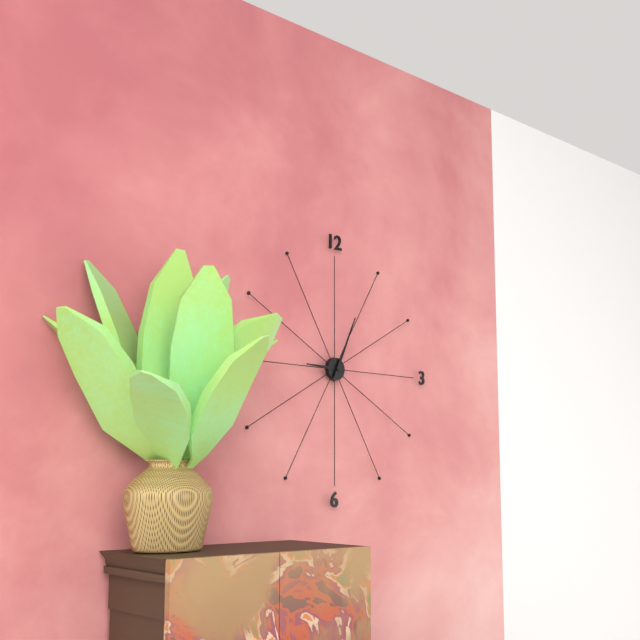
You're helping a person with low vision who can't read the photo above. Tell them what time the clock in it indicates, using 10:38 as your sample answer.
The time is 9:04
